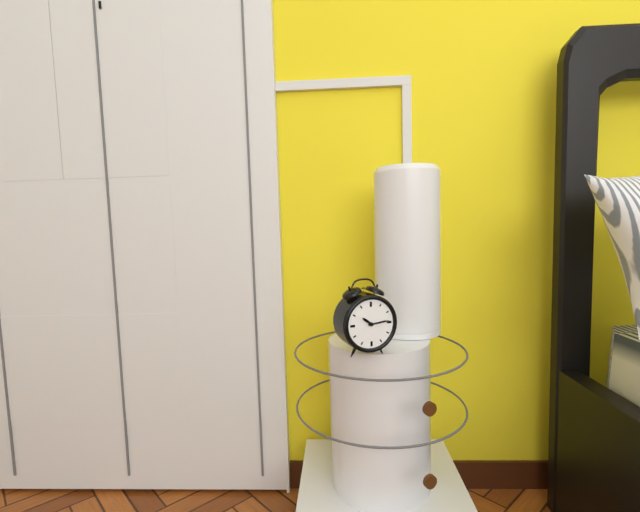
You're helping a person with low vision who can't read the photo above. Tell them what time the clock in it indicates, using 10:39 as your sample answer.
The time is 10:14
